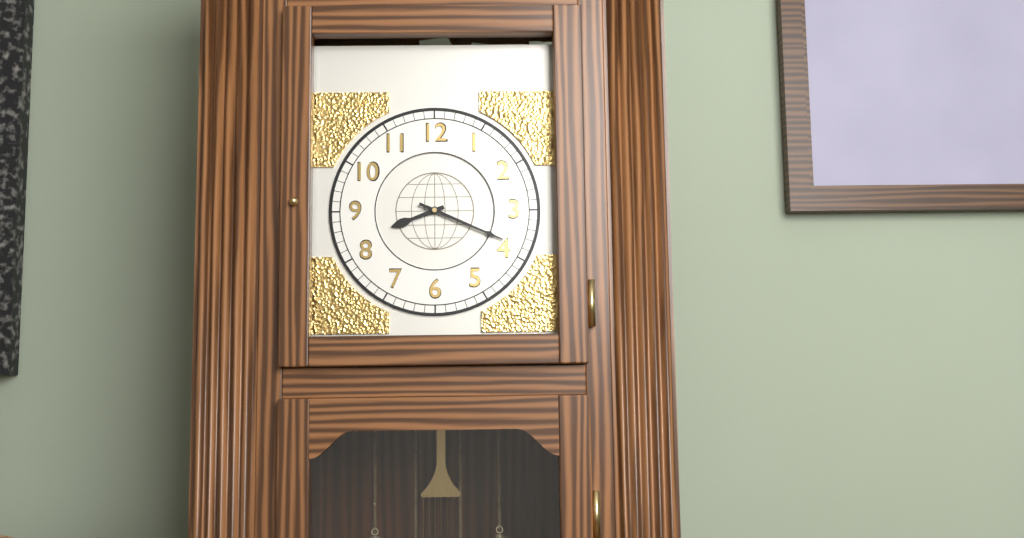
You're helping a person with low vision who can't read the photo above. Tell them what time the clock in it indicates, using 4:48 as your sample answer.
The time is 8:19
